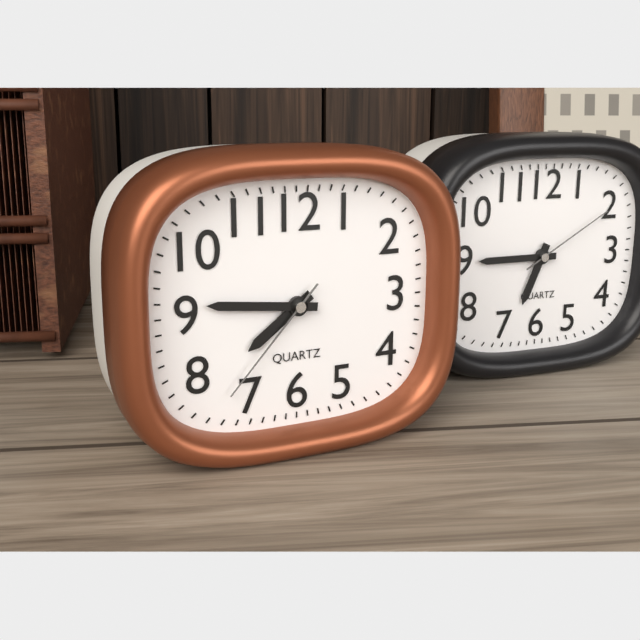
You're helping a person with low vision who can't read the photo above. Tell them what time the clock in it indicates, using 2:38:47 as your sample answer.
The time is 7:46:37
